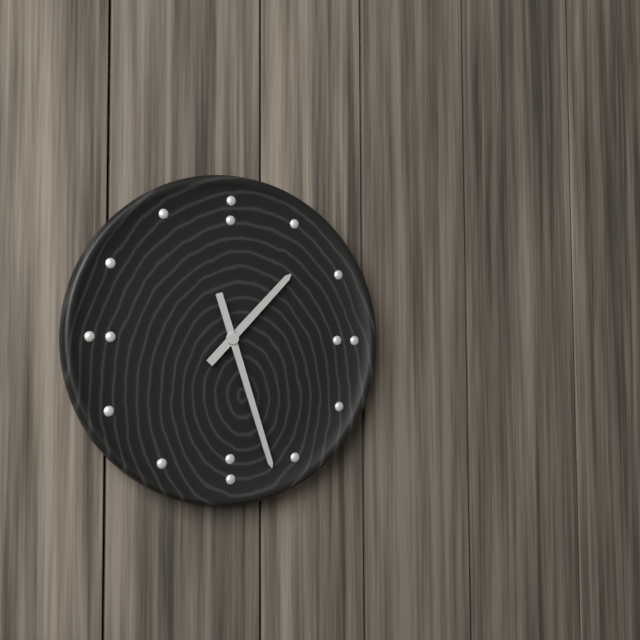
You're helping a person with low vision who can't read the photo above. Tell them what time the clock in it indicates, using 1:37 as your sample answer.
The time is 1:27
